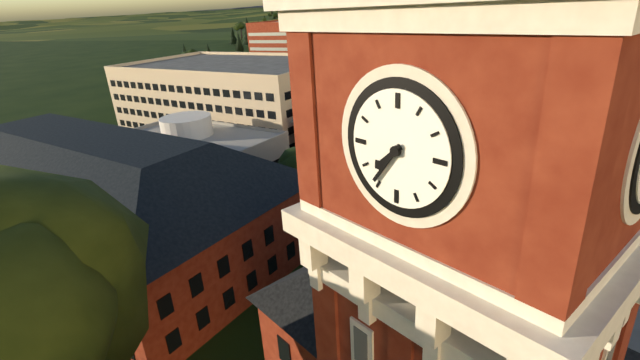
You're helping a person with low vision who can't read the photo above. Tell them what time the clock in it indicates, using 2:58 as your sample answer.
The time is 7:36
